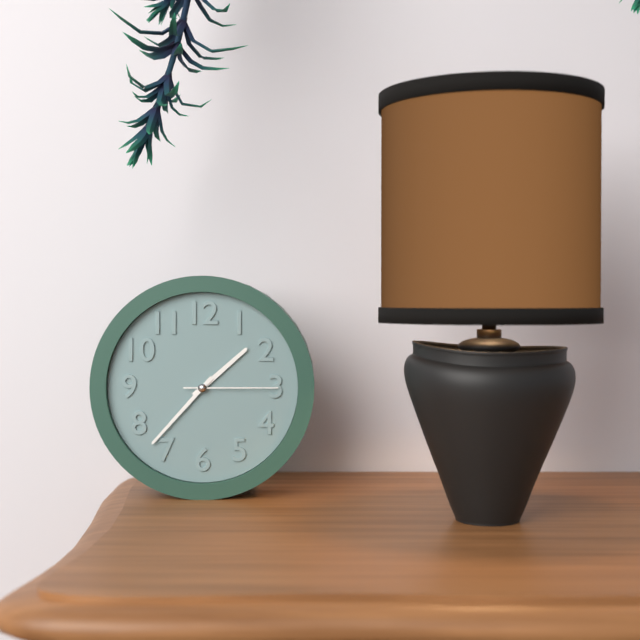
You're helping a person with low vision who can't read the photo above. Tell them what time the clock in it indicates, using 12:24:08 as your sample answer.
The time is 1:37:15
